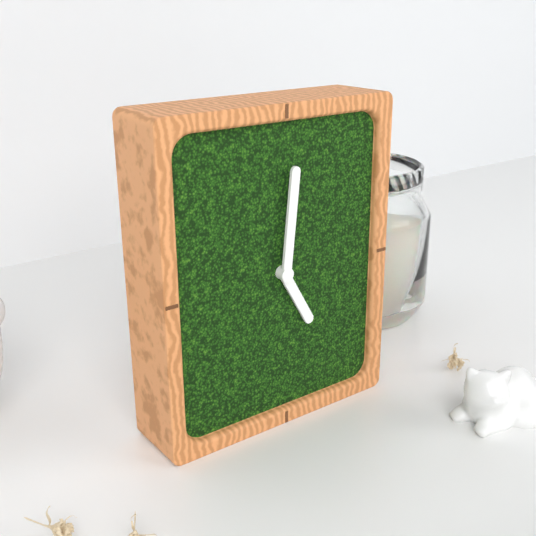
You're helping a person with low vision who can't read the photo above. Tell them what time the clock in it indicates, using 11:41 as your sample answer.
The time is 5:01
